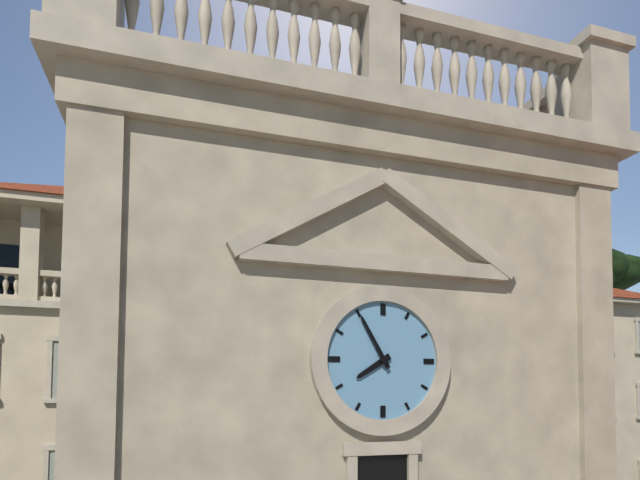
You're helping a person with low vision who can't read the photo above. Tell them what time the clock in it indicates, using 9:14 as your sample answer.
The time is 7:55
